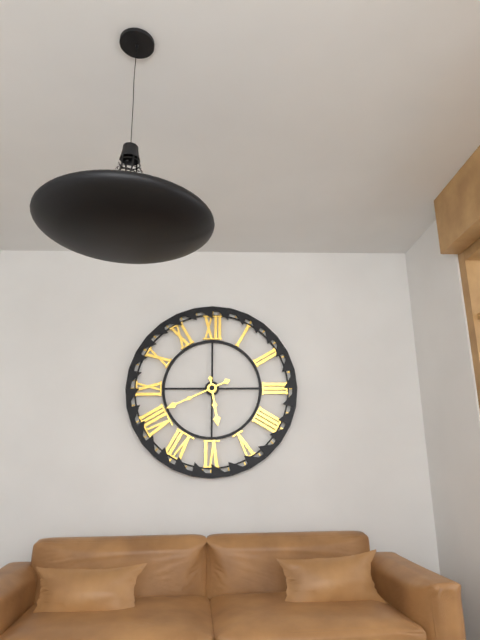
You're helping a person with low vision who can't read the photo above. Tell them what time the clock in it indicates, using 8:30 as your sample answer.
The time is 5:41
